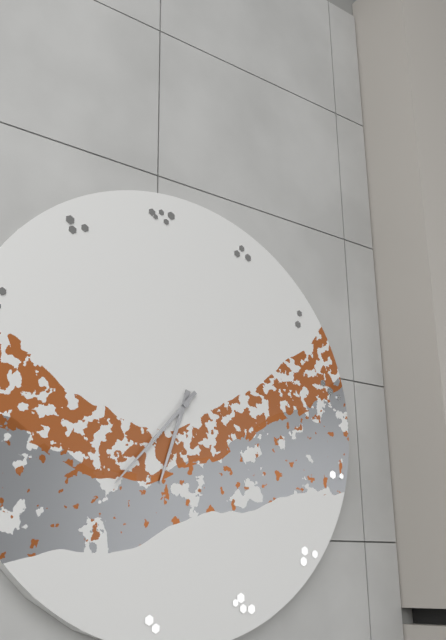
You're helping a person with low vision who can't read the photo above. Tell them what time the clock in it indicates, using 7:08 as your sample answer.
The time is 6:37
